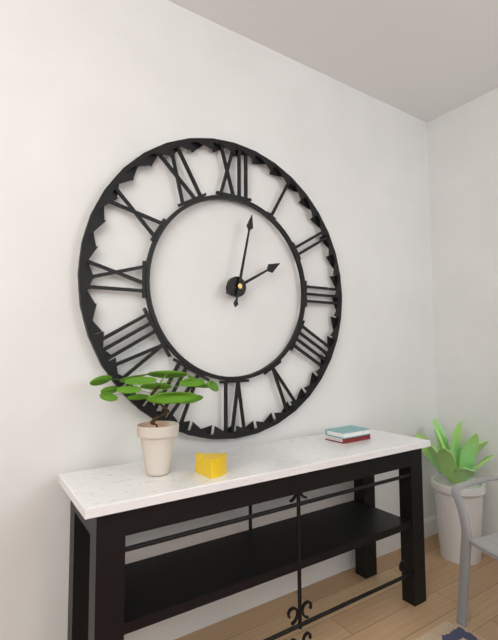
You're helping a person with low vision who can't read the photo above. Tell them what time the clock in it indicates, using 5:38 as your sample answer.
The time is 2:02
